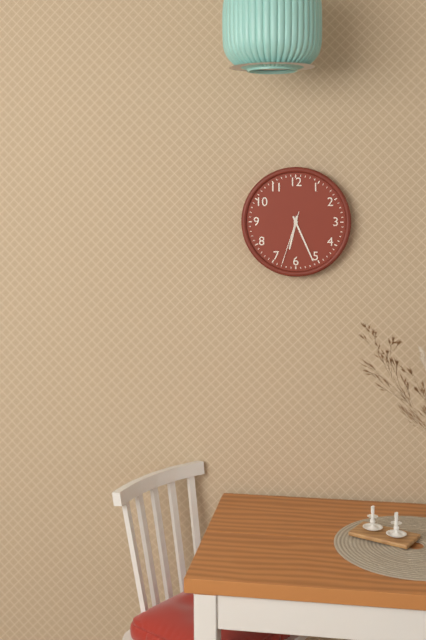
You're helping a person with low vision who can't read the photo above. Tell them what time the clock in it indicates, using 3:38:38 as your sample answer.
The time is 6:26:33
